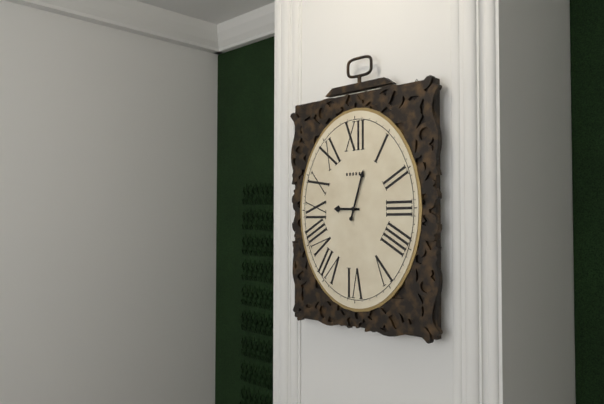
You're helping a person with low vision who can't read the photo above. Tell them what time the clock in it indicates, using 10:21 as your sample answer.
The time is 9:03
